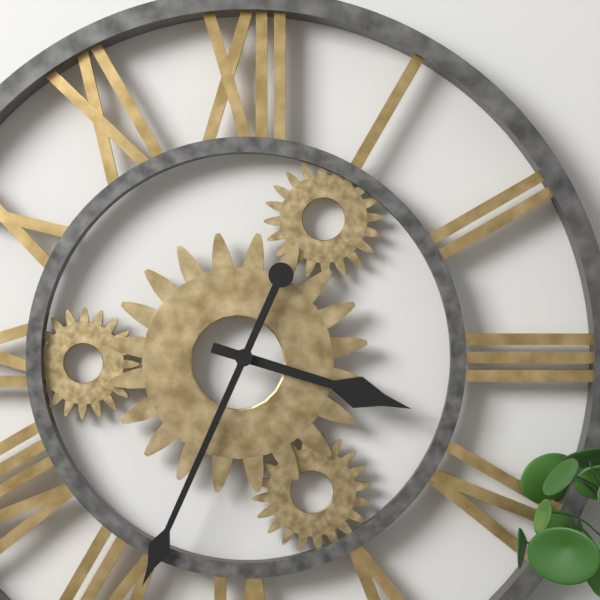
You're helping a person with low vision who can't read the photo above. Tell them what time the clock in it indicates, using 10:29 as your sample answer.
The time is 3:34
